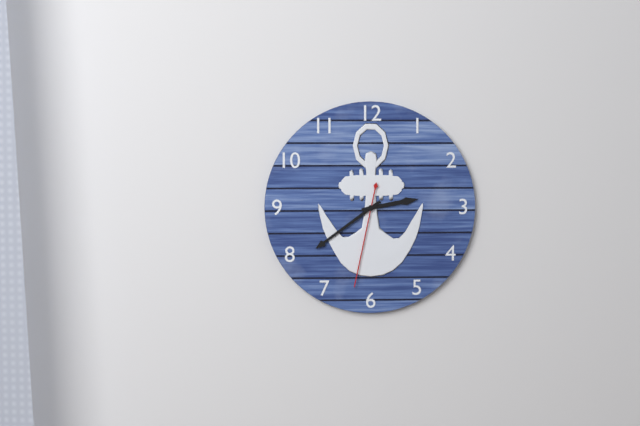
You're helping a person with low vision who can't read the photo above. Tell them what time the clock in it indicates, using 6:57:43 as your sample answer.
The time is 2:39:32
